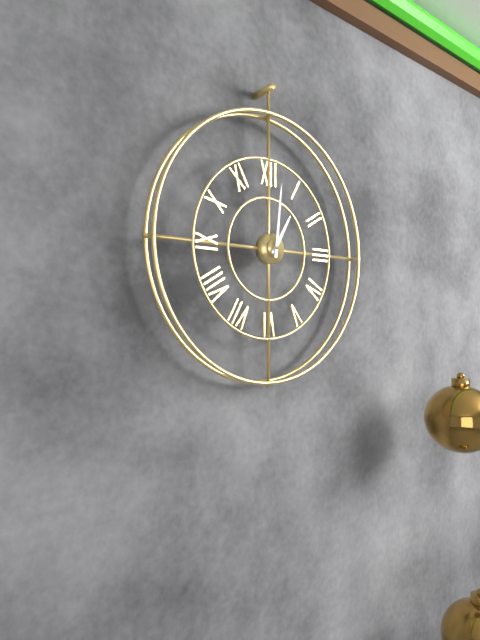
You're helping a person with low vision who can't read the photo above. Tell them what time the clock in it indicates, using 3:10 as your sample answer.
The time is 1:01
